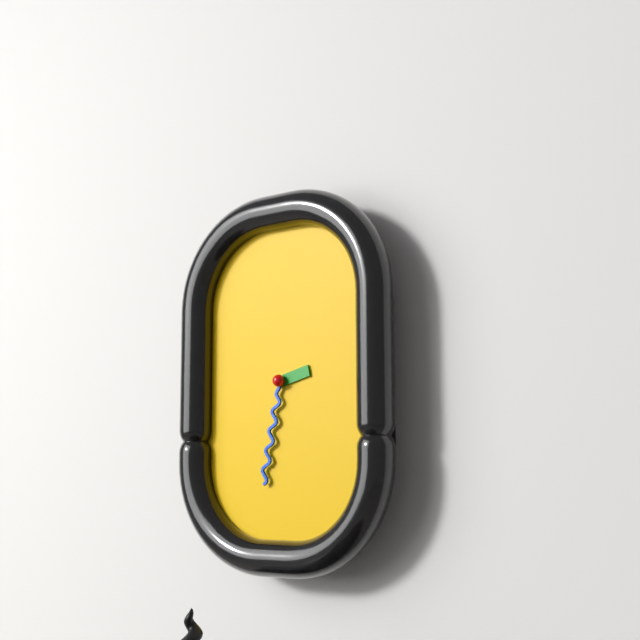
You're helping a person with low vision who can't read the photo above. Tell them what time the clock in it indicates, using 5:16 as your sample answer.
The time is 2:32
